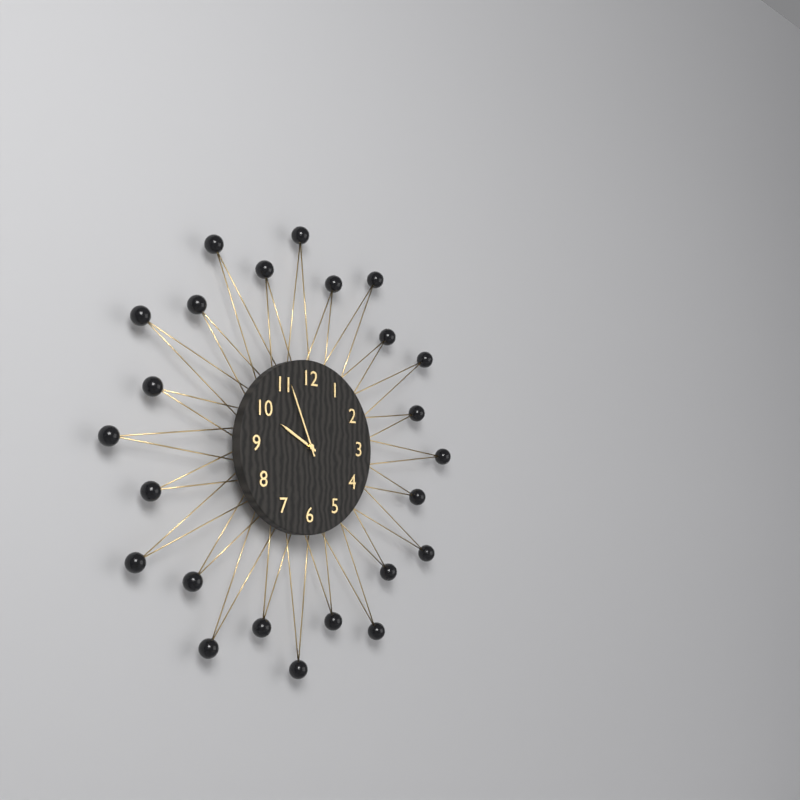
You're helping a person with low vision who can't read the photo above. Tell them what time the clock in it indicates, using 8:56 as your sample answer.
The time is 9:56
